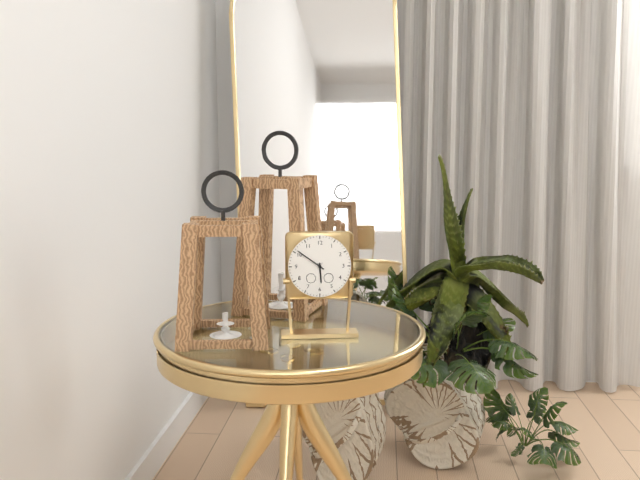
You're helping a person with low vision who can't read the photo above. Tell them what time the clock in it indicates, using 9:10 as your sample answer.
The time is 5:51
